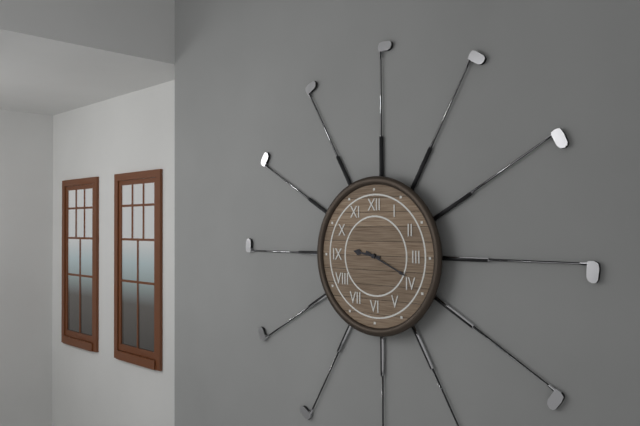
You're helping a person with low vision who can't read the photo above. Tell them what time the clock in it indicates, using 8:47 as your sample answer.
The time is 9:19
